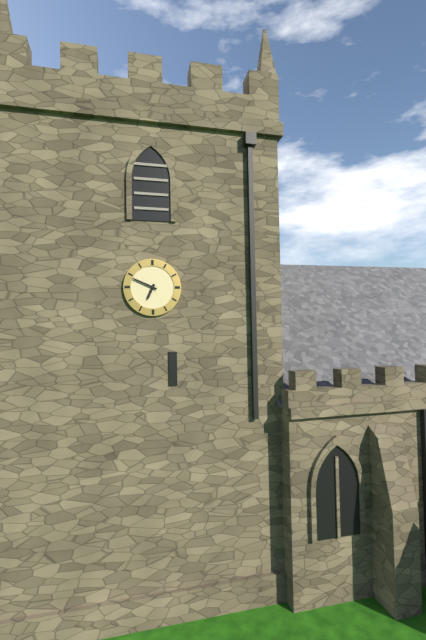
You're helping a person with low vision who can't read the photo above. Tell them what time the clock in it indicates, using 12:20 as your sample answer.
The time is 6:49
